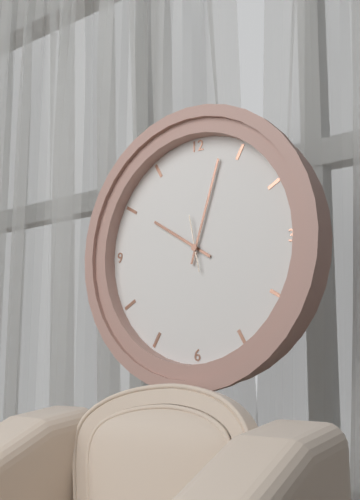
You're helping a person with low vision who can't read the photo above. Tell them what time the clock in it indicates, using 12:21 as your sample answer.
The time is 10:03
